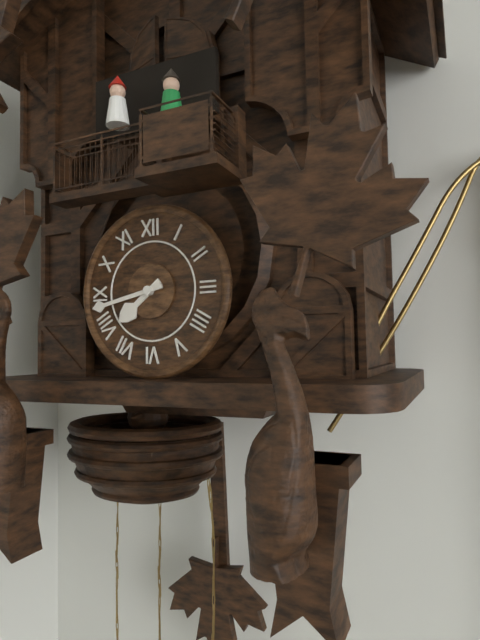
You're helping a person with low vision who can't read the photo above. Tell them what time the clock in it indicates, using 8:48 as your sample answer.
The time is 7:43
